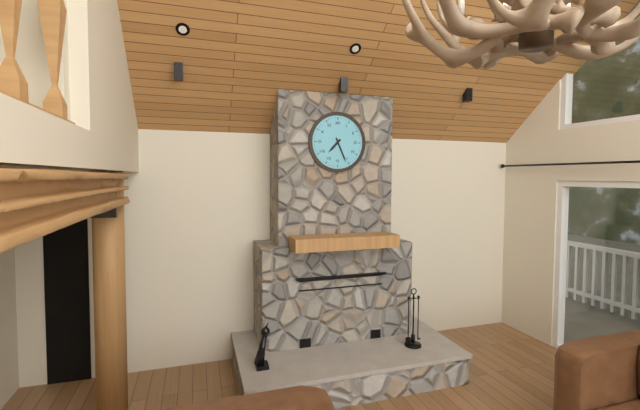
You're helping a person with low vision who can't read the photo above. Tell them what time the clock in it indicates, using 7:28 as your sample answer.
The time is 7:26
